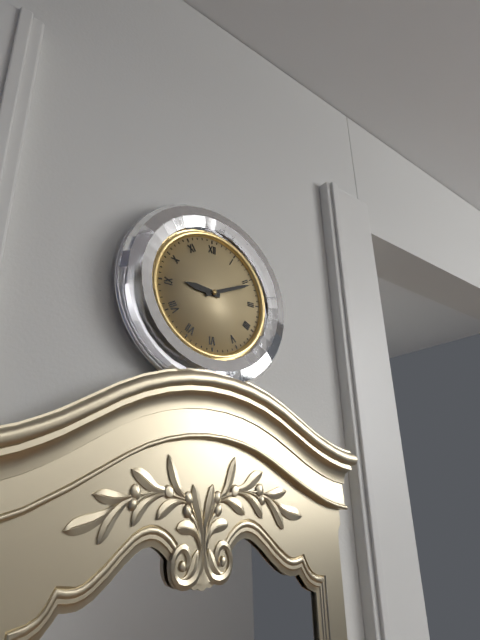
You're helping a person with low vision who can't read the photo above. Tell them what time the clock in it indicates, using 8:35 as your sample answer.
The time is 9:11
